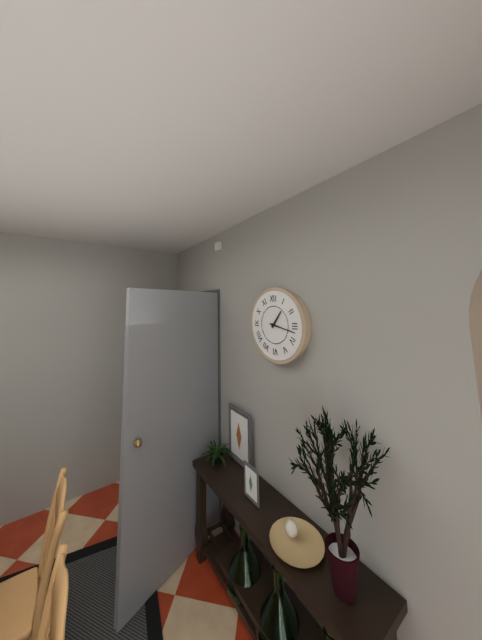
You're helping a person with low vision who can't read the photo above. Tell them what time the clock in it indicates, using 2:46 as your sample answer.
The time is 1:17
